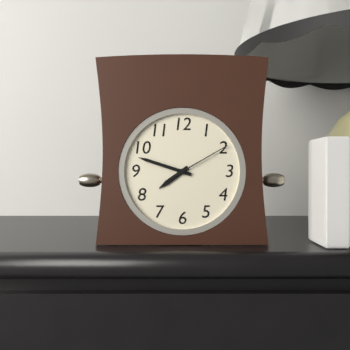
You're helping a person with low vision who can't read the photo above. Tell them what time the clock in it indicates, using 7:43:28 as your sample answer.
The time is 7:48:10
